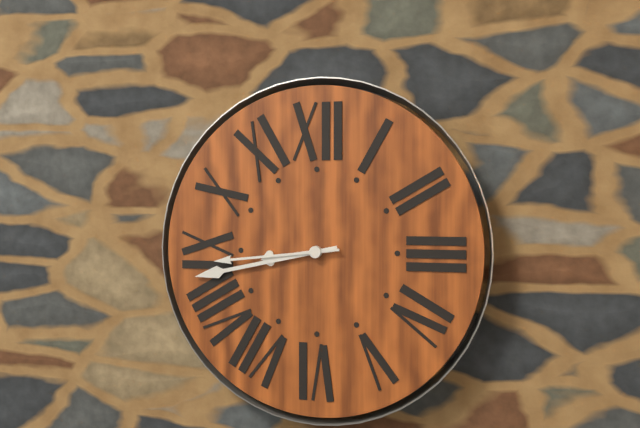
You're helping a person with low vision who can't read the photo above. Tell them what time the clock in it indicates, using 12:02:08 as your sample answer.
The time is 8:43:44
